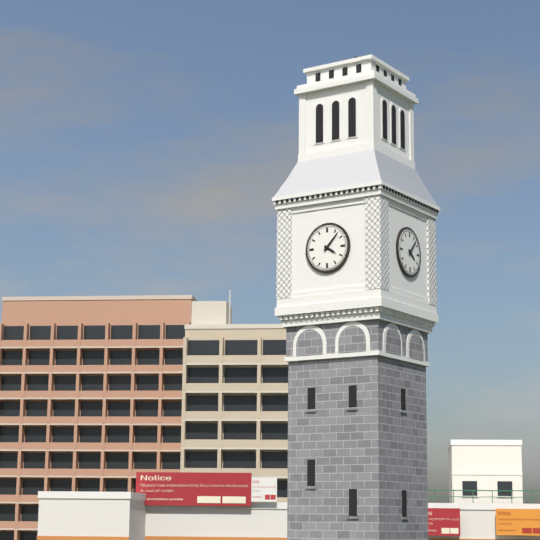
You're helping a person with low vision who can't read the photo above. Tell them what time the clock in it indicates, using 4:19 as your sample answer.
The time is 4:07
